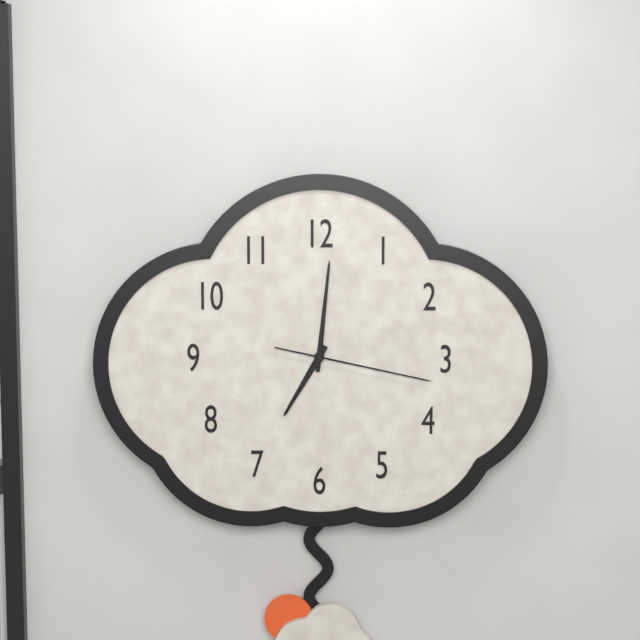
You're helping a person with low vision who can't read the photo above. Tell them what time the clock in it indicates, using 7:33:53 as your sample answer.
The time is 7:01:17
